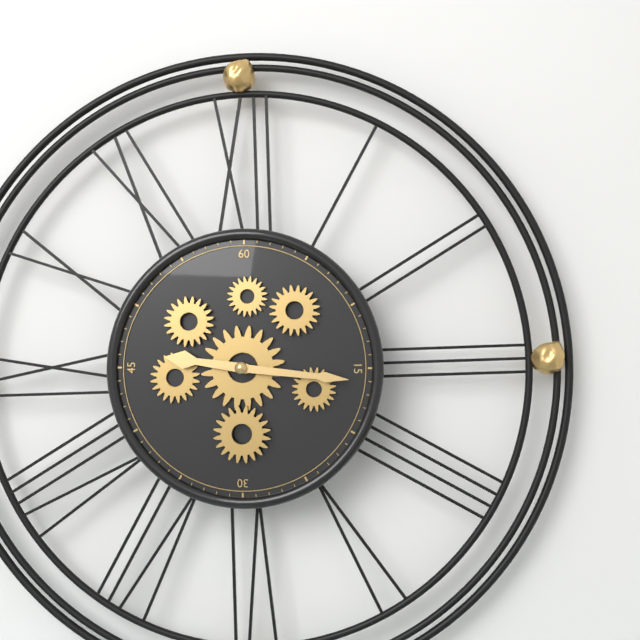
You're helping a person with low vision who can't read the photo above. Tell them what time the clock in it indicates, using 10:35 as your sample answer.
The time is 9:16
